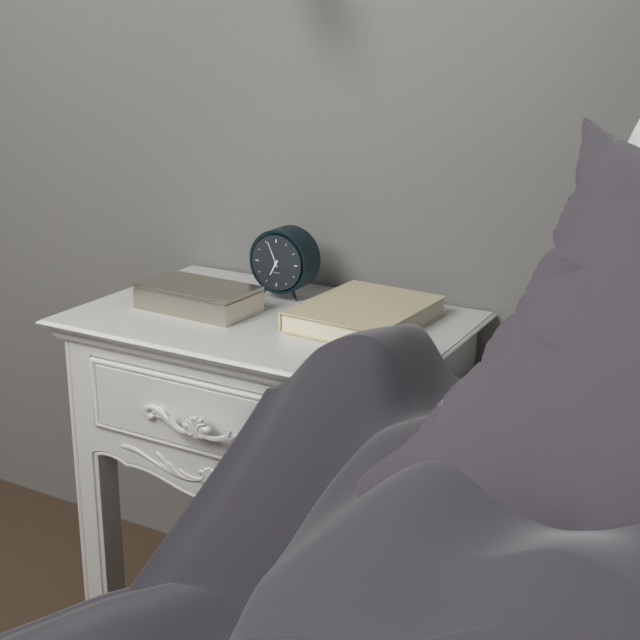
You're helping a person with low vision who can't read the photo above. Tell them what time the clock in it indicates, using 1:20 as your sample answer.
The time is 6:56
